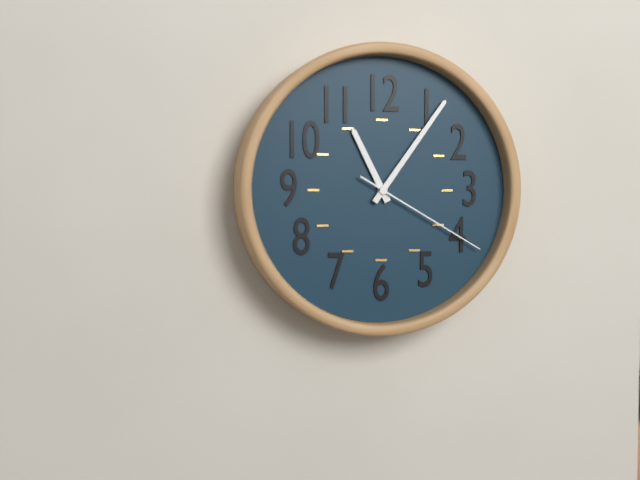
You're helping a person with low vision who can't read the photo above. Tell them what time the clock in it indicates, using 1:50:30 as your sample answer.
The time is 11:06:20
